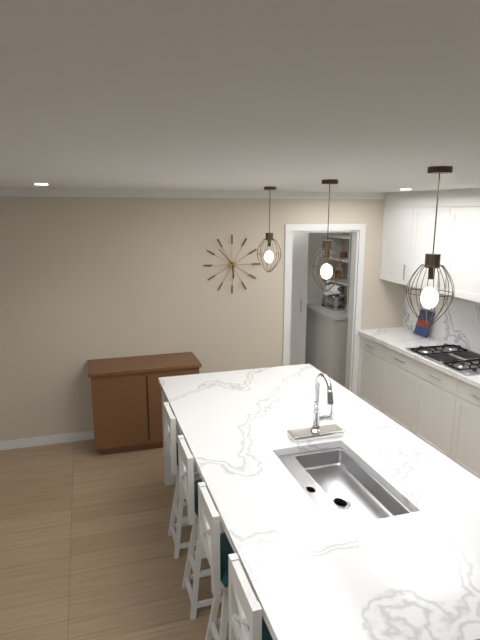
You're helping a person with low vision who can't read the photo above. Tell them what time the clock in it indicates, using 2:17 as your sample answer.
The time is 5:53
